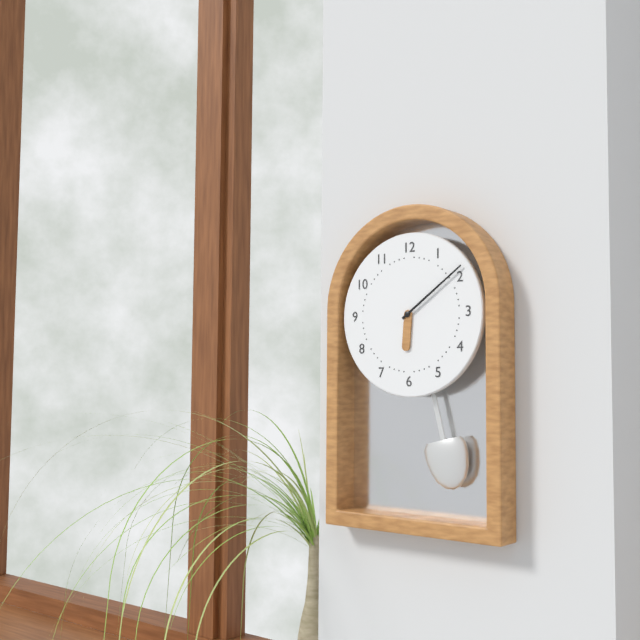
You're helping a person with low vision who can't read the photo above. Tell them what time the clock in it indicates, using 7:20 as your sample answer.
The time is 6:09
